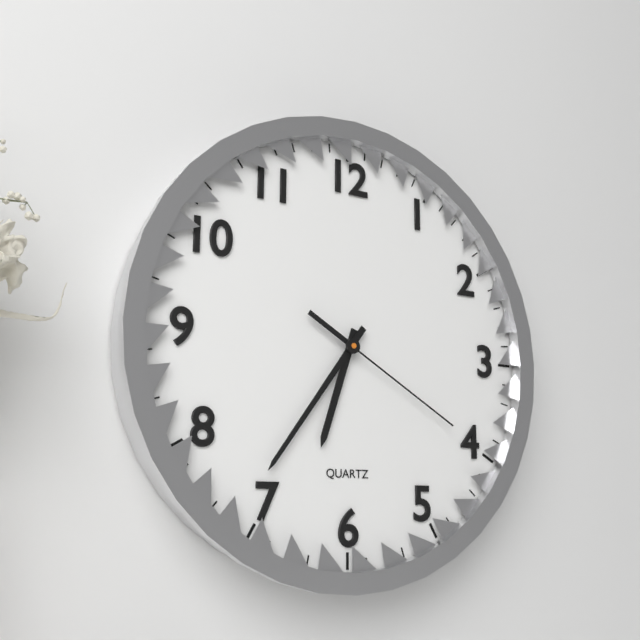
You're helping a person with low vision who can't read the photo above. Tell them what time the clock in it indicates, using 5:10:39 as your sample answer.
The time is 6:36:20
